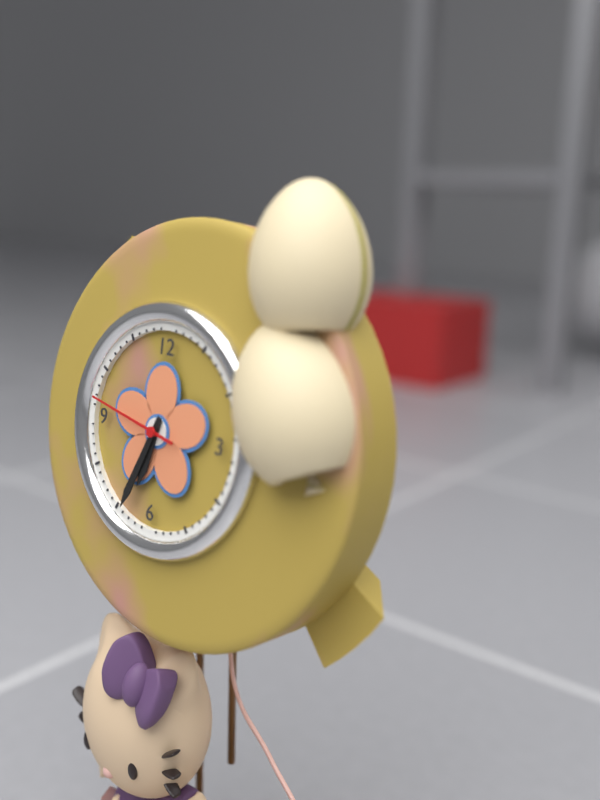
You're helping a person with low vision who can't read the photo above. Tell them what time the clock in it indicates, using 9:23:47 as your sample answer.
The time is 6:34:47
